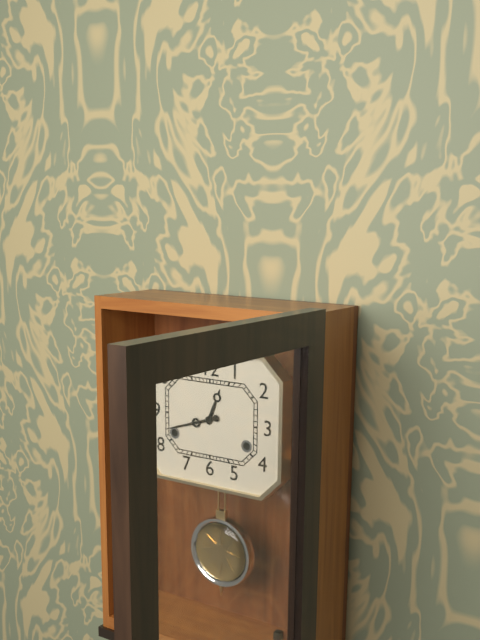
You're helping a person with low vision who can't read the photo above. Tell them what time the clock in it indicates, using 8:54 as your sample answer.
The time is 12:42
